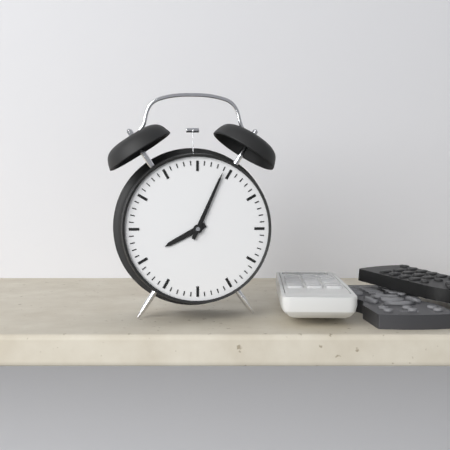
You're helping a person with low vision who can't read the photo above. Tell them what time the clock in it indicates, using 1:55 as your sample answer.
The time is 8:04
